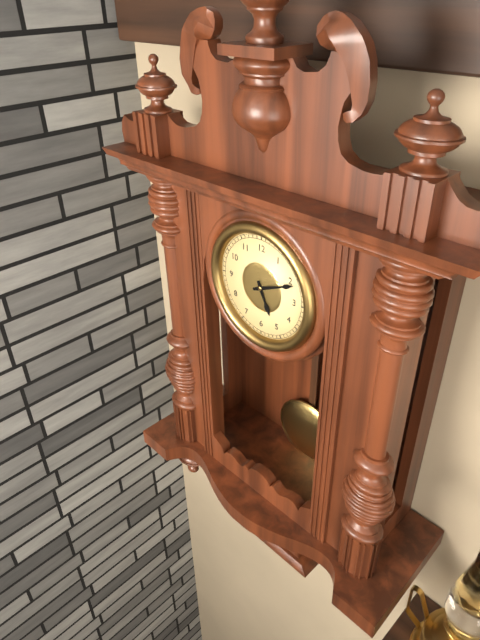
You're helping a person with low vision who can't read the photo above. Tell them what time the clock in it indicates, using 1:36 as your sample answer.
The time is 5:11
